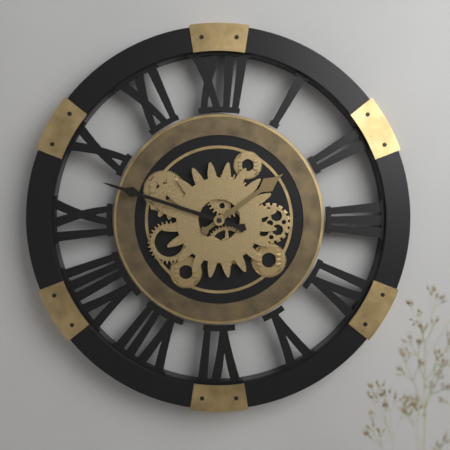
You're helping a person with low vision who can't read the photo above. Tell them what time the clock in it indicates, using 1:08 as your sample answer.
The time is 1:48
